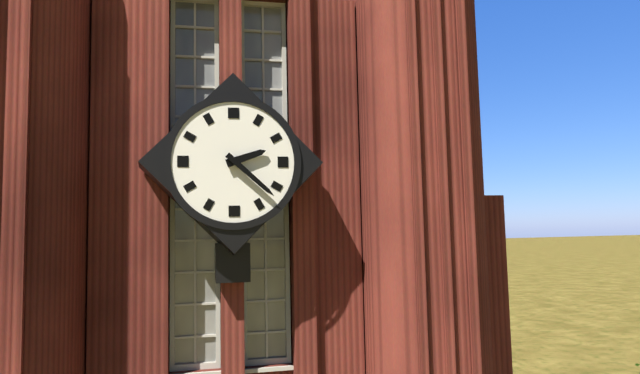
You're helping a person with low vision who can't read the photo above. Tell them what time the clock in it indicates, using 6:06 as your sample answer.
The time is 2:22
